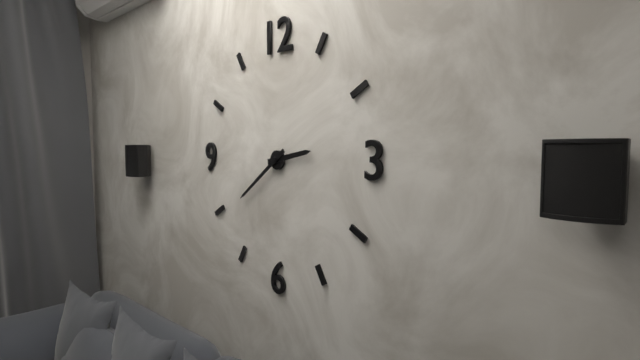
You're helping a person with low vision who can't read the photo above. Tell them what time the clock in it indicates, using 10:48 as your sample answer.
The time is 2:39
